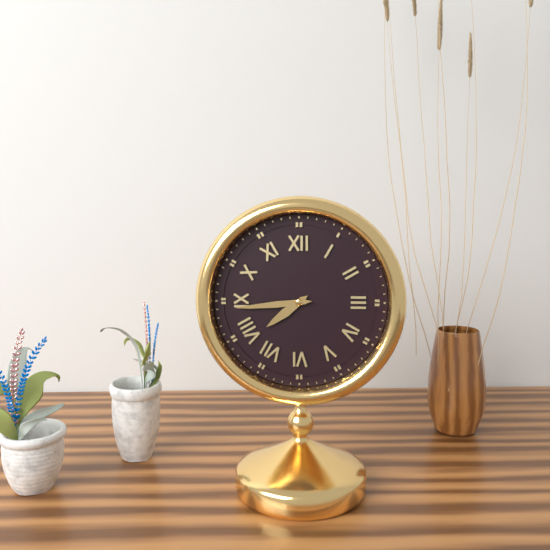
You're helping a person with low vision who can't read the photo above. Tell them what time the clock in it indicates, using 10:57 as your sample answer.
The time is 7:44
